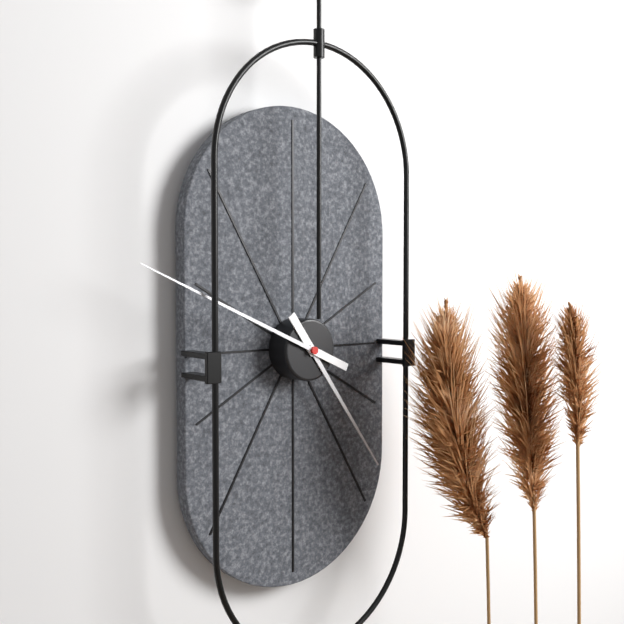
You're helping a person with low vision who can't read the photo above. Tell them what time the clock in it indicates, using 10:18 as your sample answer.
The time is 4:49
